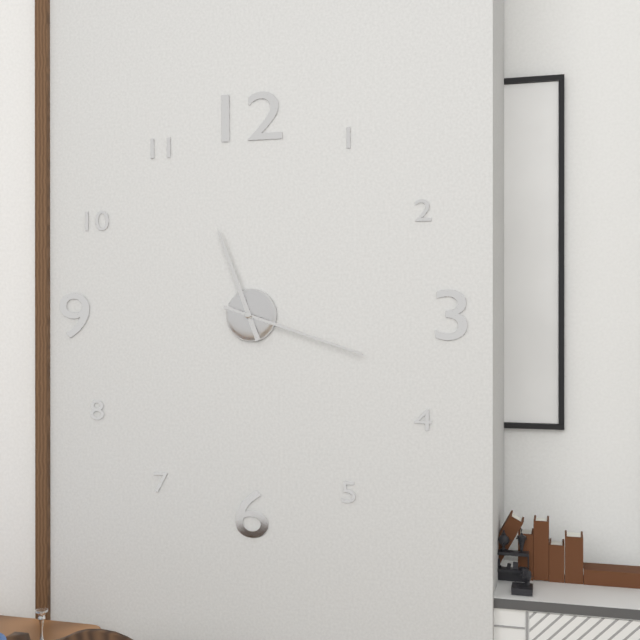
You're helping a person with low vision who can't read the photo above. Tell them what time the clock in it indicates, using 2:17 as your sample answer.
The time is 11:18
